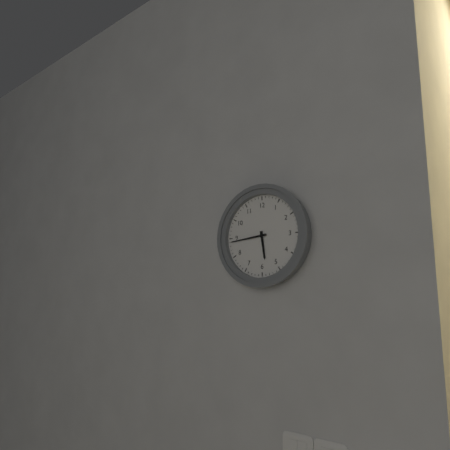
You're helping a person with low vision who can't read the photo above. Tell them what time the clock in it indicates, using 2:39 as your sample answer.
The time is 5:44
